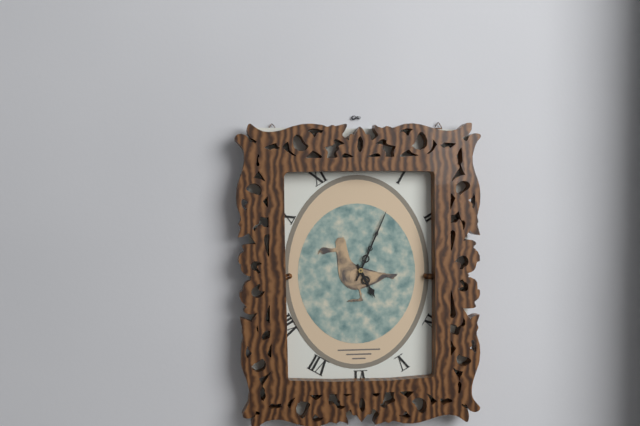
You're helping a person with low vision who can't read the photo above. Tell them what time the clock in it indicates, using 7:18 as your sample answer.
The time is 5:04
